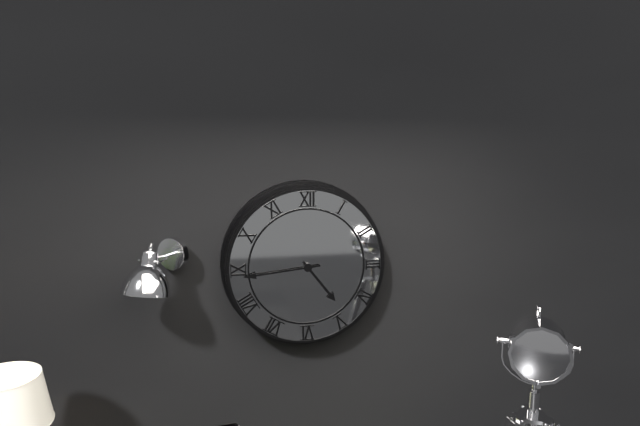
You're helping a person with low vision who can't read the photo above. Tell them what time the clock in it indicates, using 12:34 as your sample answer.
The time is 4:44
